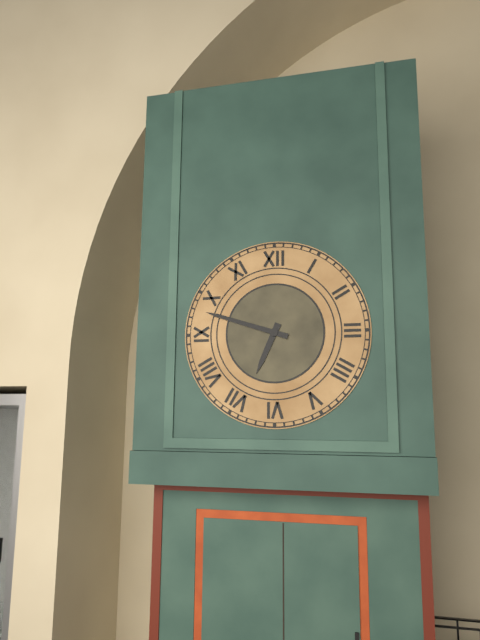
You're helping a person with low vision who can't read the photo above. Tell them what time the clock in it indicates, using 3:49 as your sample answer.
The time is 6:48
